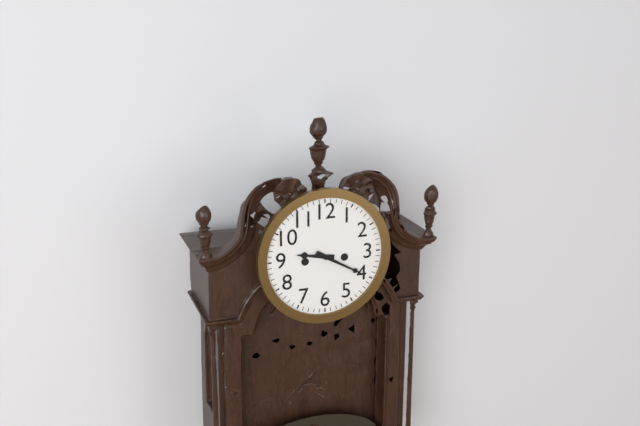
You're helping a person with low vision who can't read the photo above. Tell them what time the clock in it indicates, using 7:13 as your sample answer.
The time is 9:20
